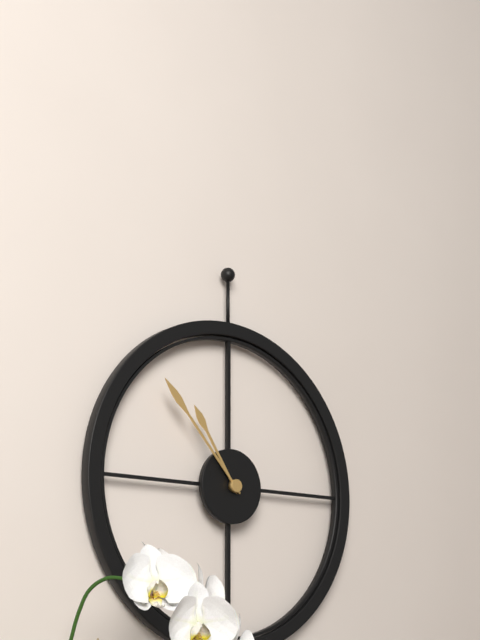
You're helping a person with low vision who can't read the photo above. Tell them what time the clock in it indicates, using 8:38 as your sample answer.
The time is 10:53
